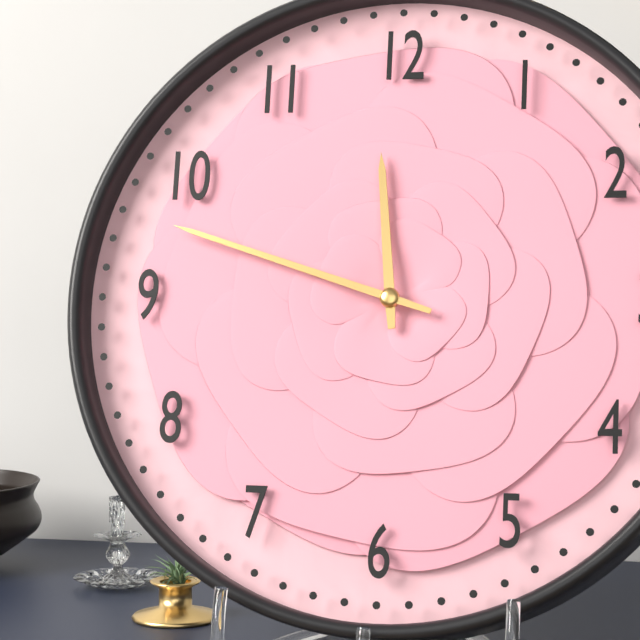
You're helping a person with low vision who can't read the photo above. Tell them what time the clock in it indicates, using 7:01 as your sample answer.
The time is 11:48
